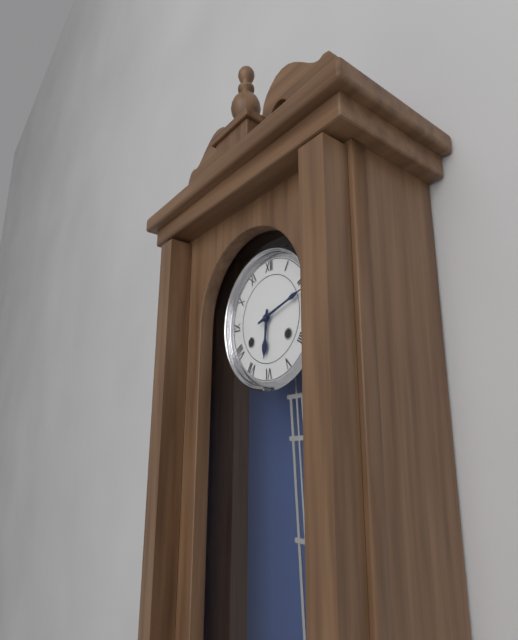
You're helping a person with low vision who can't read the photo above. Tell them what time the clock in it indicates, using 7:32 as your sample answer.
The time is 6:12
